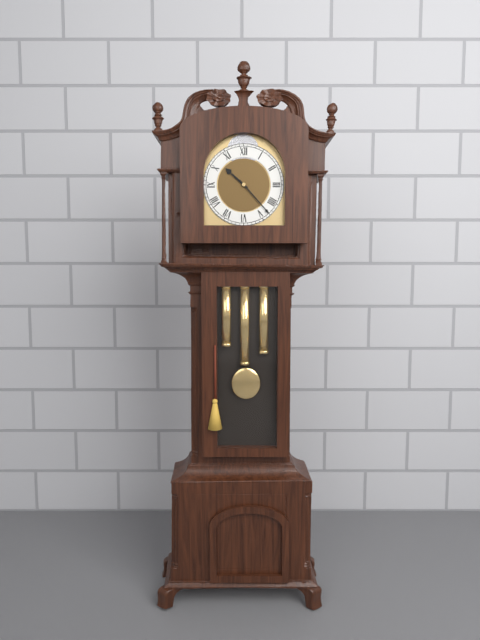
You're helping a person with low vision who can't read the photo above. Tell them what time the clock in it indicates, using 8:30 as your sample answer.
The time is 10:23
